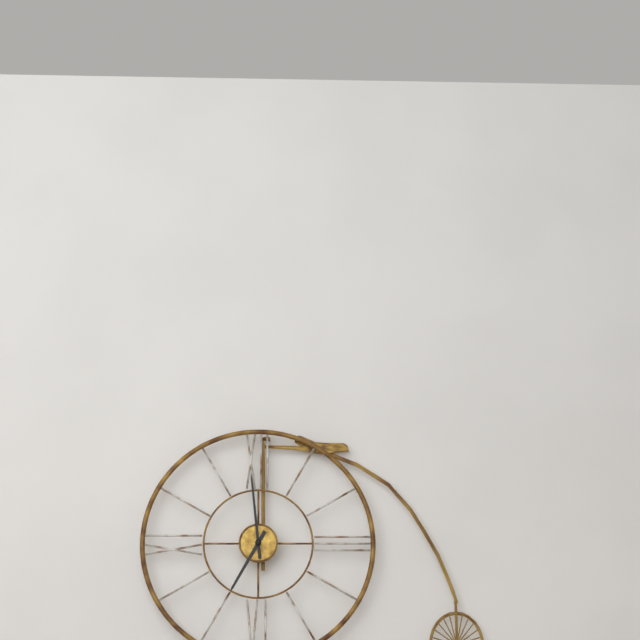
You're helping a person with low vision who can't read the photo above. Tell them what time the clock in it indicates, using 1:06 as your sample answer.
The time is 6:59
